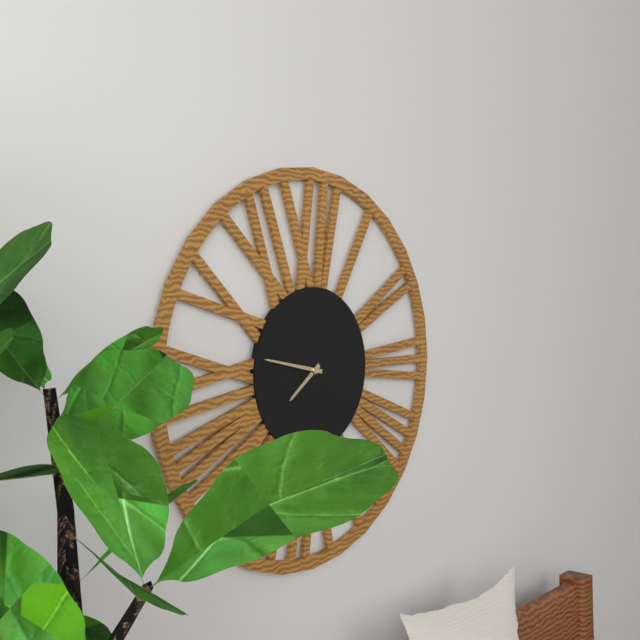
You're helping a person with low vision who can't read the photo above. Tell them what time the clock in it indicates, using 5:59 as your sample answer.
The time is 7:47
